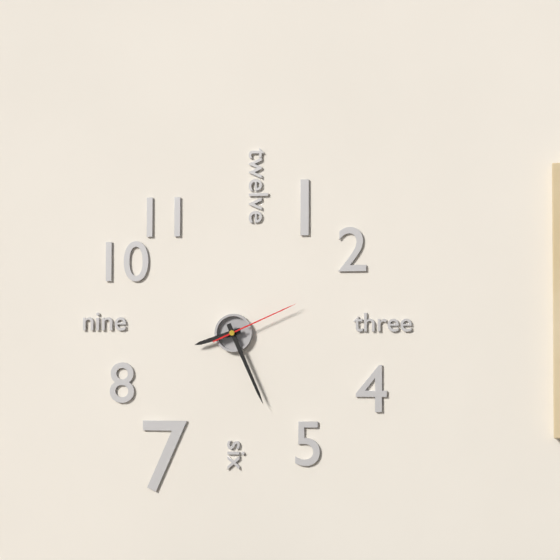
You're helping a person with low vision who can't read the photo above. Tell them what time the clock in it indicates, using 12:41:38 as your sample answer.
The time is 8:26:11
